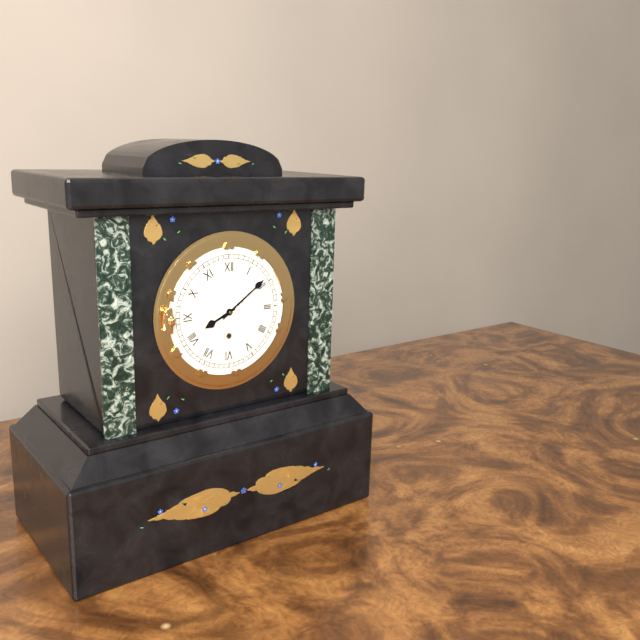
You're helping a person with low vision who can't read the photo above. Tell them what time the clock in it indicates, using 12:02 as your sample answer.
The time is 8:09
